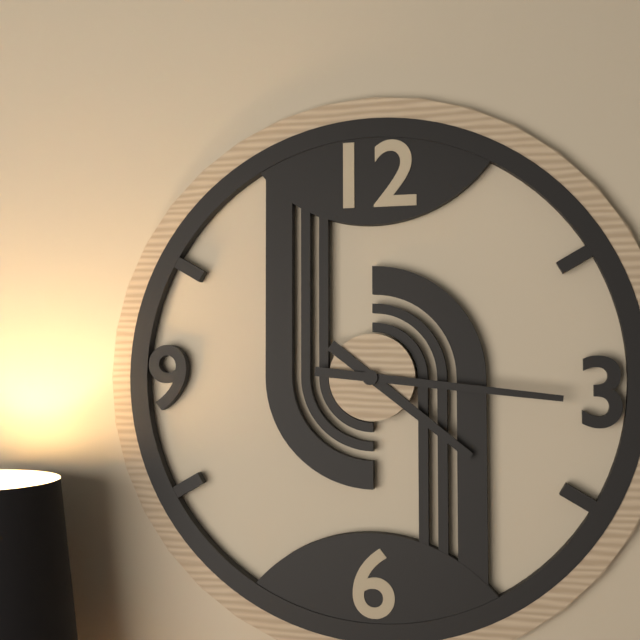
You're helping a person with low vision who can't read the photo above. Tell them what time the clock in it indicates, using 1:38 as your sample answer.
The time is 4:16
